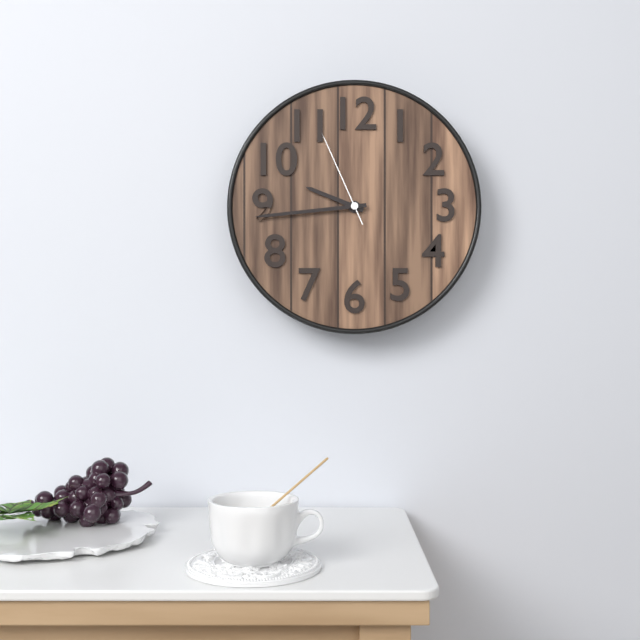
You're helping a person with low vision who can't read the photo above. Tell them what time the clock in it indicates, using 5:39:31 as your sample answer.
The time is 9:44:56
